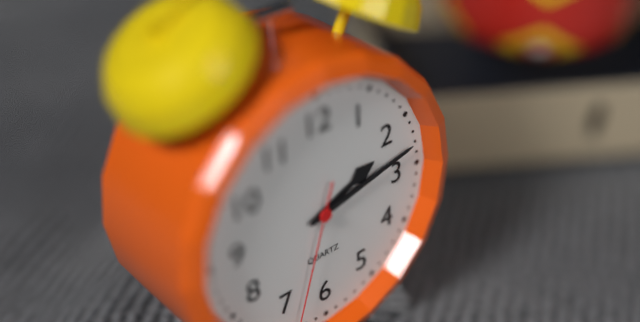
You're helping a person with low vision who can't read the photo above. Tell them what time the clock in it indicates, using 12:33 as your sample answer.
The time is 2:13
